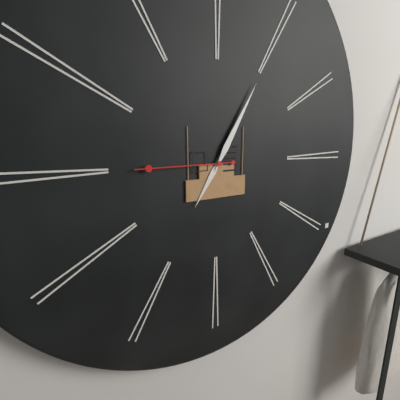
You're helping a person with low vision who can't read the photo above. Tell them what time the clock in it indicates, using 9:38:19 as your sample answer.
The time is 7:05:45
